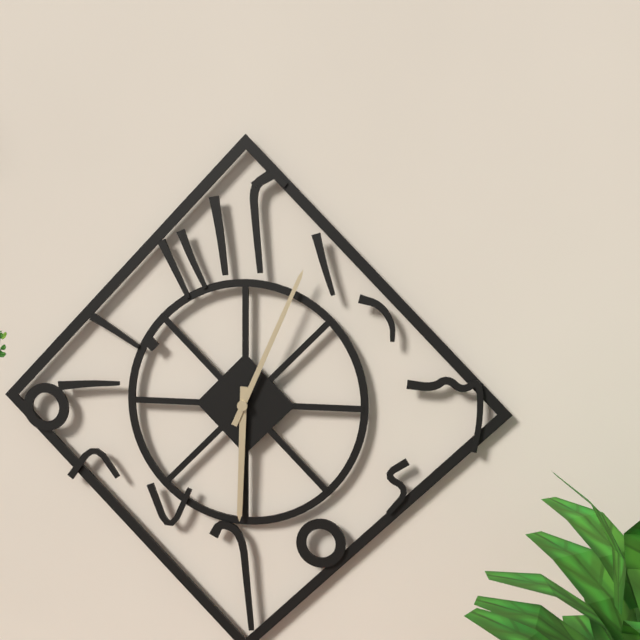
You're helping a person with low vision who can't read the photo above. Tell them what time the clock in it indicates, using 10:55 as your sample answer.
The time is 6:04
